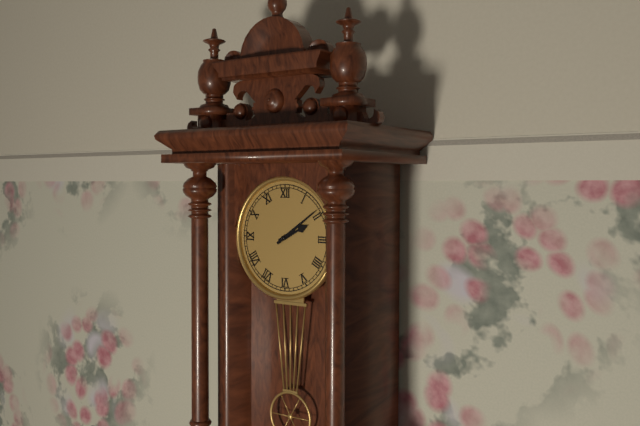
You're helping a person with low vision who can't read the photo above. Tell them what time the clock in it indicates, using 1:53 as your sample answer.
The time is 2:09
